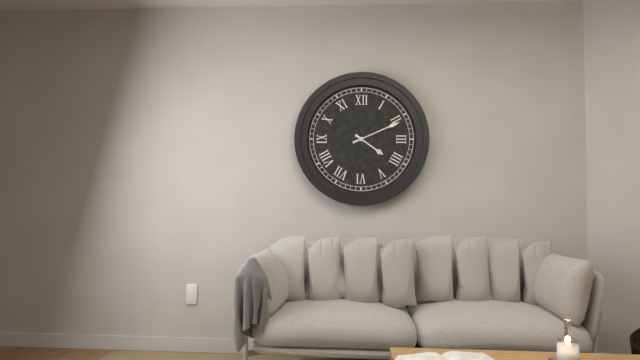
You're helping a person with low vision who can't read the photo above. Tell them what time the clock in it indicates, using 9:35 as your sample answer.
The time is 4:11
